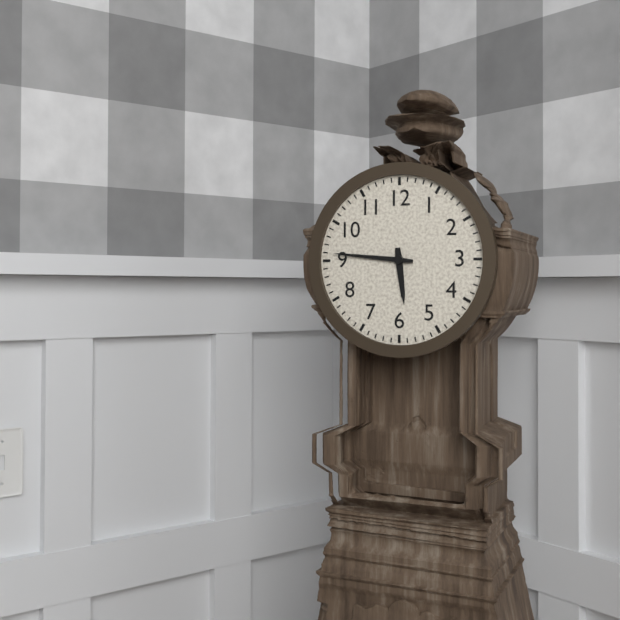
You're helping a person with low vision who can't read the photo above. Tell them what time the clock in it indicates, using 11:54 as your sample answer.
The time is 5:46
